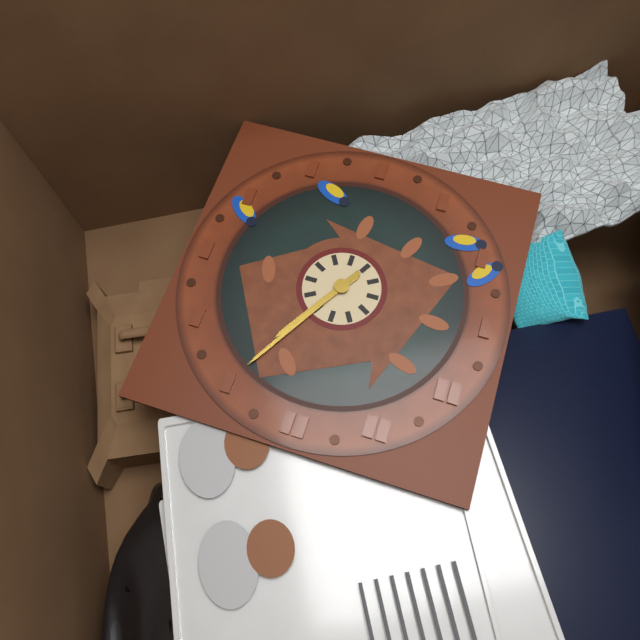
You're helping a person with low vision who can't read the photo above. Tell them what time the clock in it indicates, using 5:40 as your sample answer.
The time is 1:05
